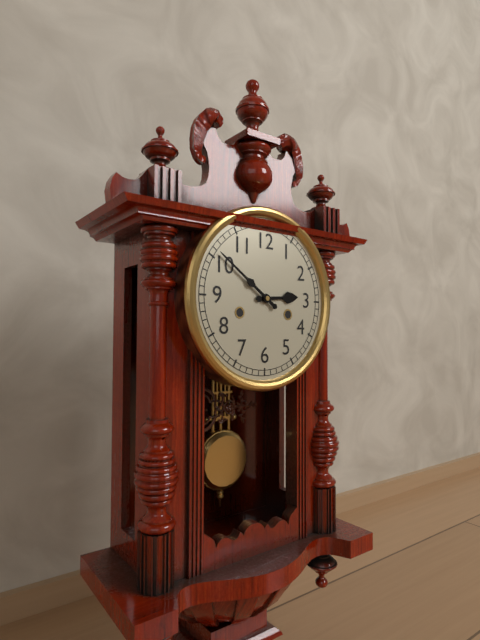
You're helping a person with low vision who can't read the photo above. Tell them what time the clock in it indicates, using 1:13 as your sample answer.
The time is 2:51
